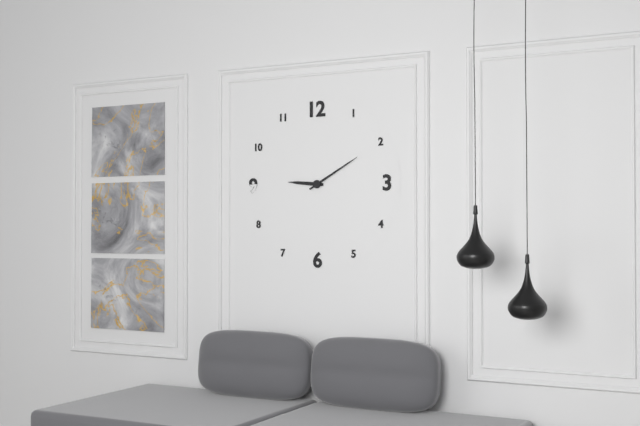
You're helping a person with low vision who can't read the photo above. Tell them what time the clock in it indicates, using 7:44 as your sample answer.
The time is 9:10
